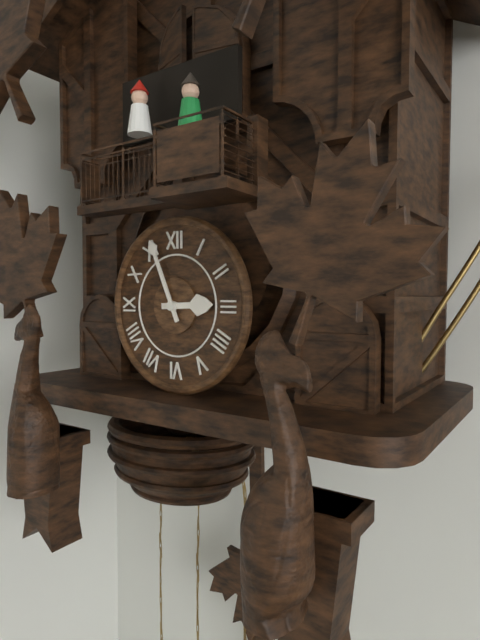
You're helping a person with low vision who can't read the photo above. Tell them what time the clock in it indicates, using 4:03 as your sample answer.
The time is 2:56
